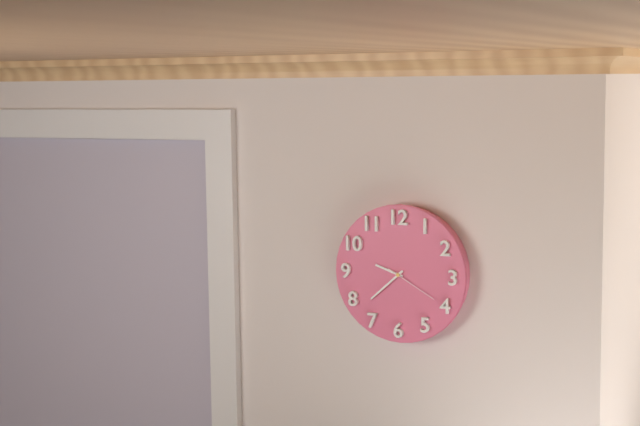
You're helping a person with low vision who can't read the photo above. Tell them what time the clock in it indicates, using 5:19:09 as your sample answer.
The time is 9:38:20
